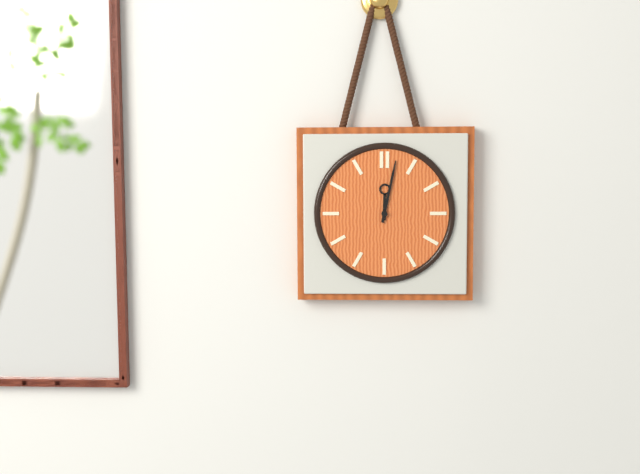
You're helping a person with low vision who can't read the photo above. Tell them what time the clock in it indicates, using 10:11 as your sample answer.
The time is 12:02
